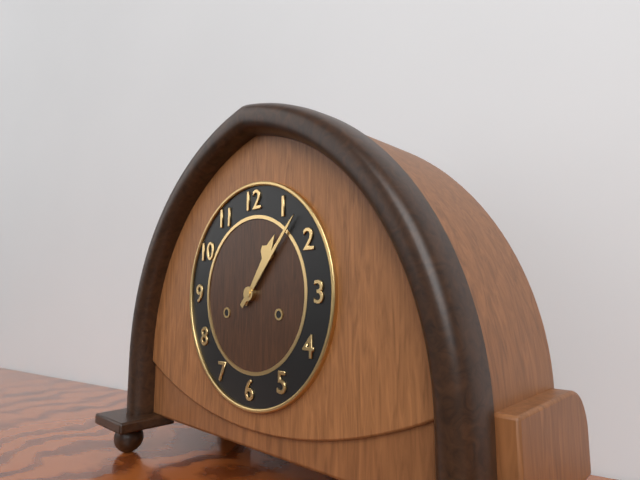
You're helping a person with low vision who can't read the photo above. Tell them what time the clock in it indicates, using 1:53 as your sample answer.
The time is 1:07
